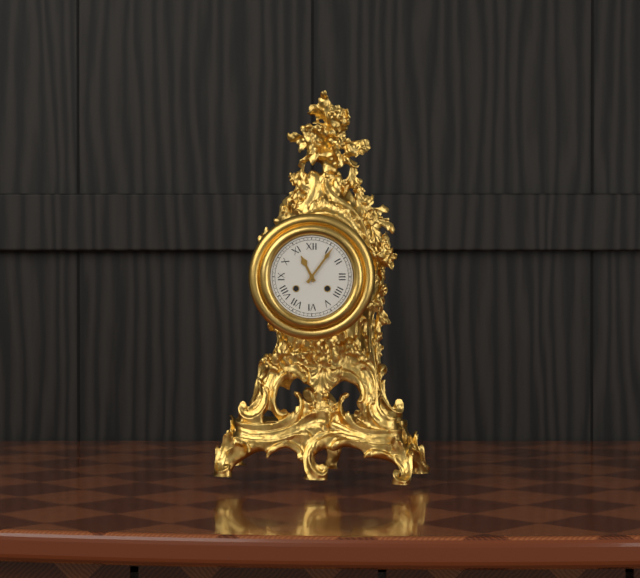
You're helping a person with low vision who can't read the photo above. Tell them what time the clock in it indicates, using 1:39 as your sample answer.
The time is 11:06
